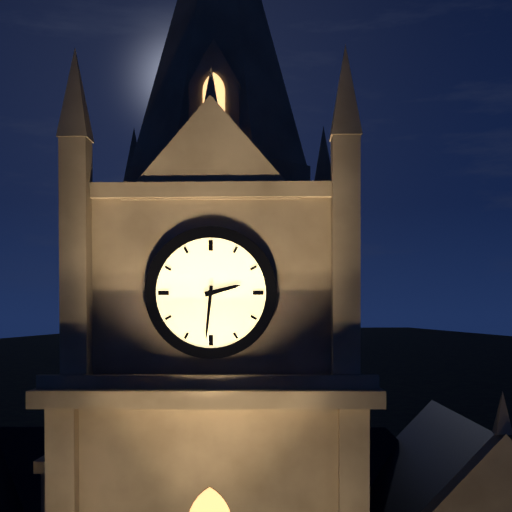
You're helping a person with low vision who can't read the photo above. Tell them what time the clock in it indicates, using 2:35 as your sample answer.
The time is 2:31
